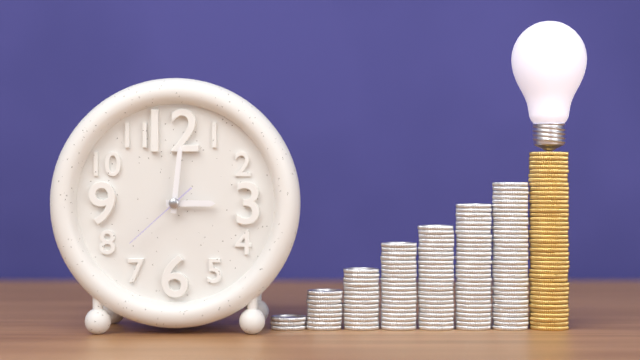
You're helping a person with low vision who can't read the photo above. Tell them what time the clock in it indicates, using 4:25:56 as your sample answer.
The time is 3:01:38
